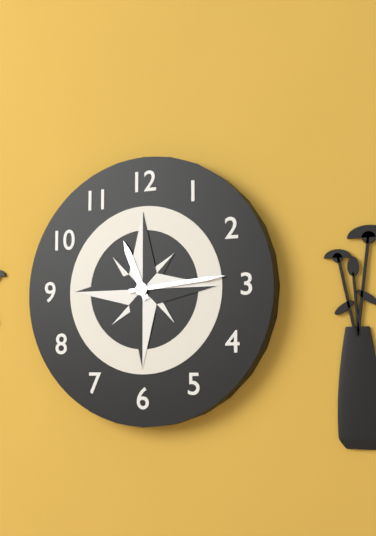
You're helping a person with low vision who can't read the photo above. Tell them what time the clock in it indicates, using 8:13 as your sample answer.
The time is 11:14
